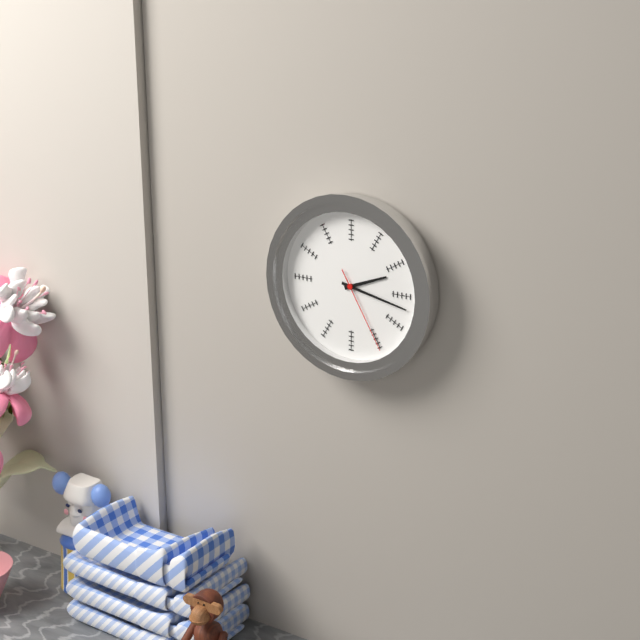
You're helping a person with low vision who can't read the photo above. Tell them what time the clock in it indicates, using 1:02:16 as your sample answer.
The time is 2:17:25
